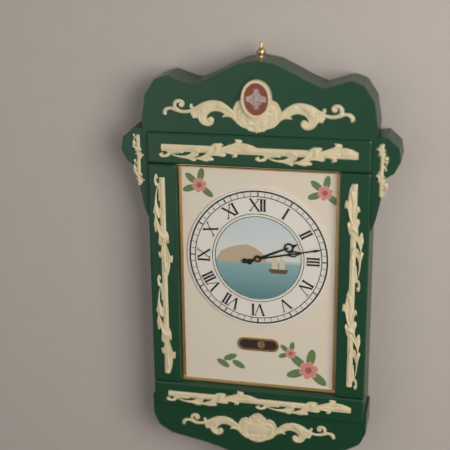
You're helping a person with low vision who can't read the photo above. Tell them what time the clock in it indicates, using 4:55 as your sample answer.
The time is 2:13
